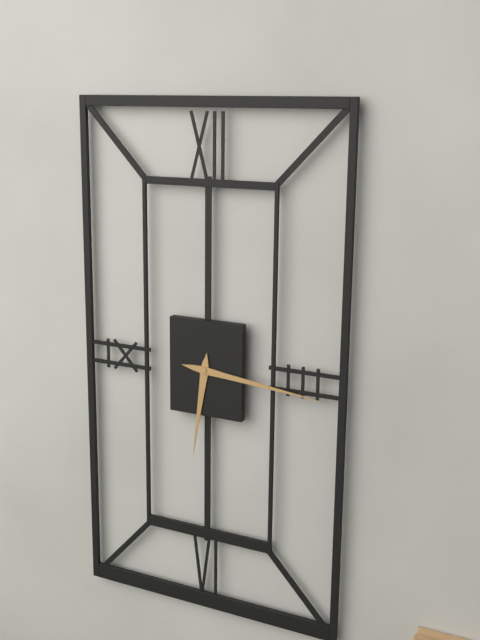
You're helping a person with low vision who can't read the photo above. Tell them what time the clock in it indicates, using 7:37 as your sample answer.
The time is 6:16
